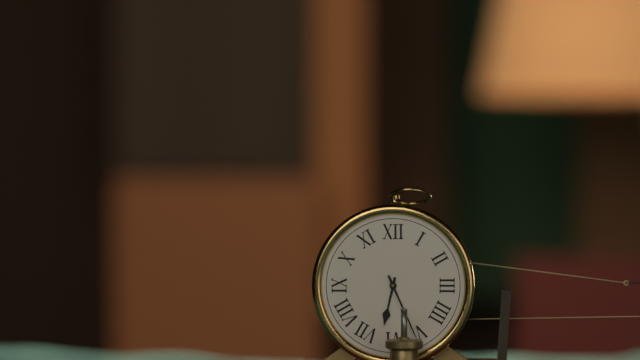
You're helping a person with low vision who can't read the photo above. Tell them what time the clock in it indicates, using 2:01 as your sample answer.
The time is 6:26
